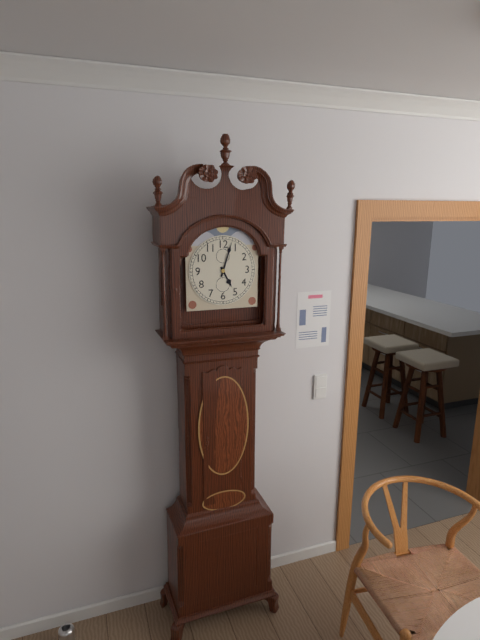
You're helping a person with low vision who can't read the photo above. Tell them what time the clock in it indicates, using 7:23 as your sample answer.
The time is 5:03
